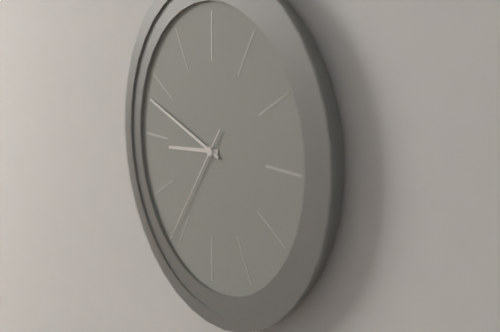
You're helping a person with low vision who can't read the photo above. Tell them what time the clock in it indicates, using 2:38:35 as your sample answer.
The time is 8:48:36
